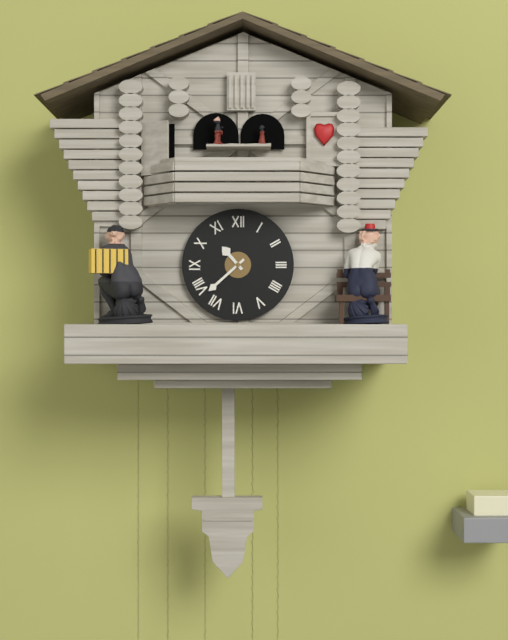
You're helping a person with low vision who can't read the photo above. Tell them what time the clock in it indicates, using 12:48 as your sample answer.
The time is 10:38
